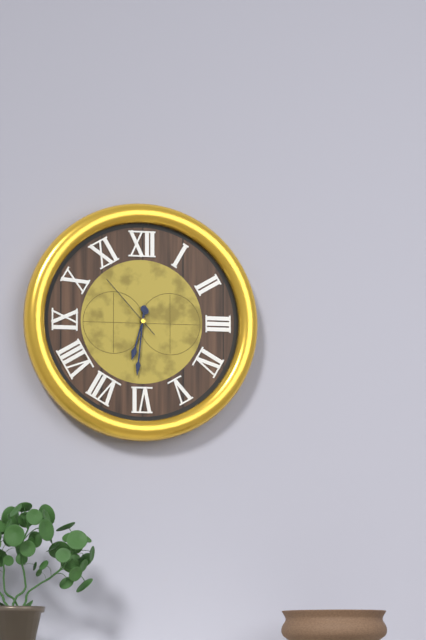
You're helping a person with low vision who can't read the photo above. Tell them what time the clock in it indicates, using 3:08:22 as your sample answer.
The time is 6:31:53
